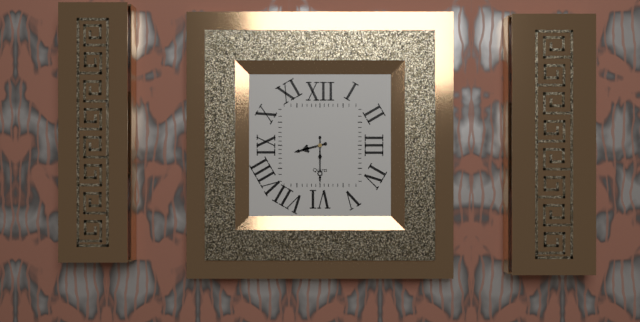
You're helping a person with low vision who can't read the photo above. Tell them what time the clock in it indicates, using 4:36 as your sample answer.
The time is 8:30
